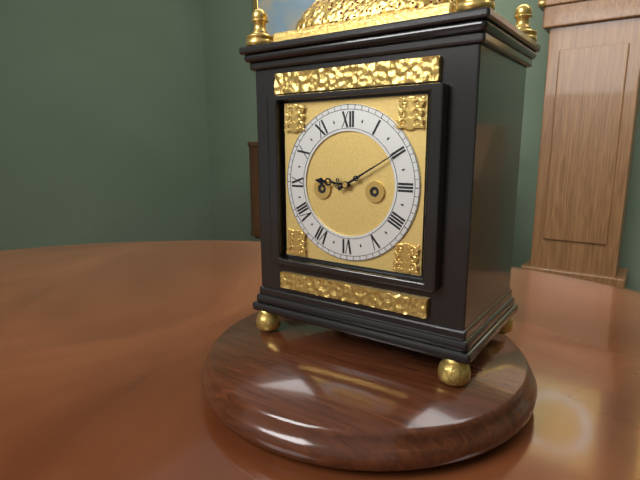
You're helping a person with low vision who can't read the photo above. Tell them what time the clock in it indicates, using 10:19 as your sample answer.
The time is 9:10
